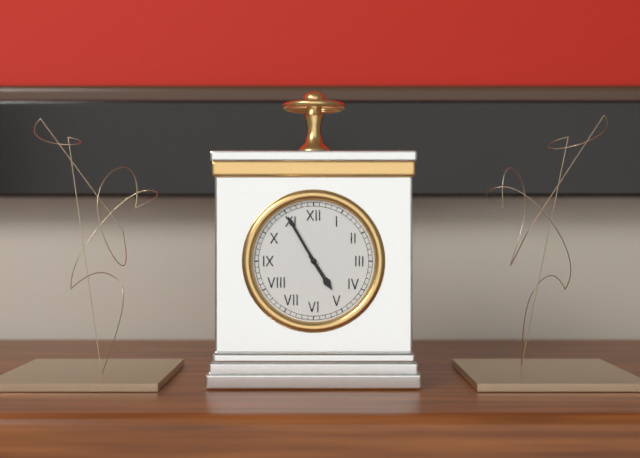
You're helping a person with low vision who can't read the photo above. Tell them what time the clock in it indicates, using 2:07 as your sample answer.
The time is 4:55
